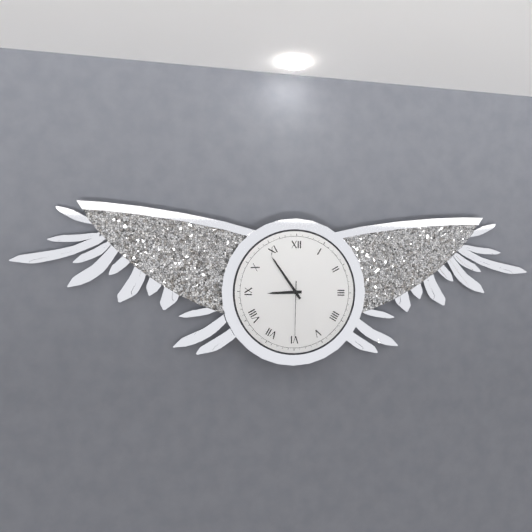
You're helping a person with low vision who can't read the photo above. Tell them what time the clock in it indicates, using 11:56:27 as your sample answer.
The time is 8:54:30
